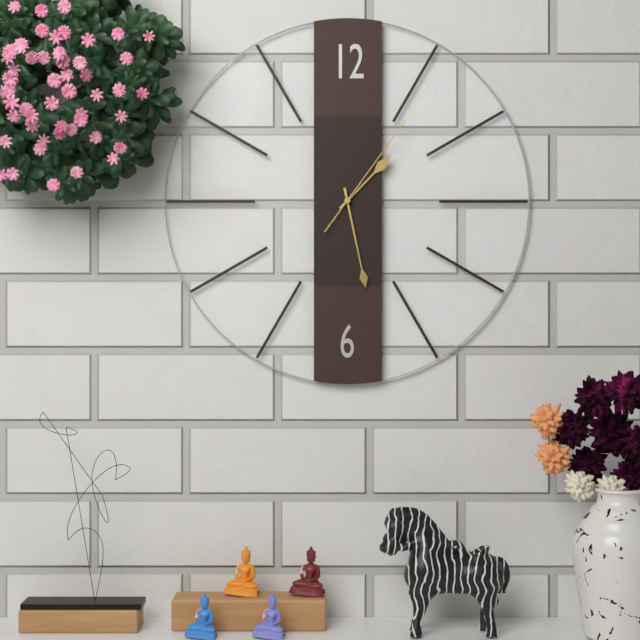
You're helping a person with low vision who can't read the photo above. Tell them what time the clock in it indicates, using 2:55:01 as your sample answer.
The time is 1:28:06
